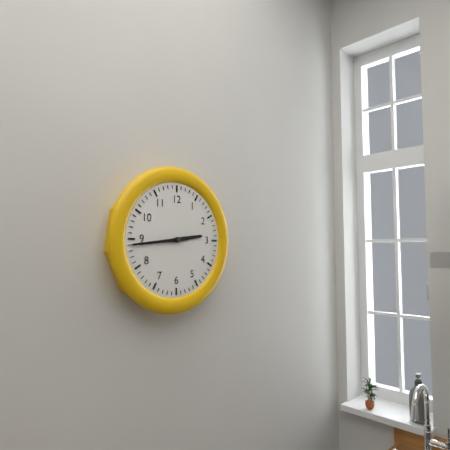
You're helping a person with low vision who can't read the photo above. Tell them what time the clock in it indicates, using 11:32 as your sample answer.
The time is 2:44
